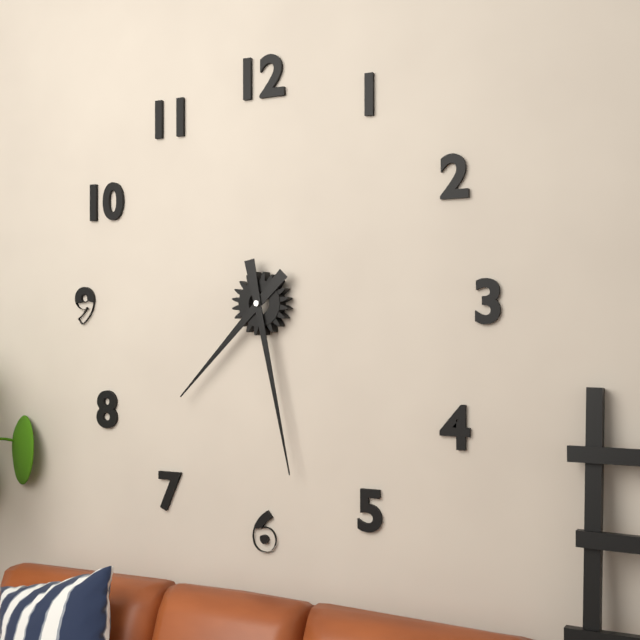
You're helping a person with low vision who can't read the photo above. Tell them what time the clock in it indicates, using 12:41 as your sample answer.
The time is 7:28
